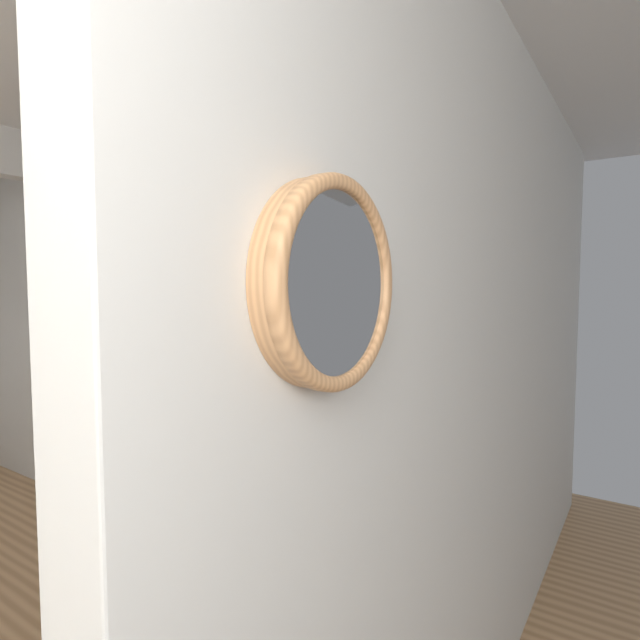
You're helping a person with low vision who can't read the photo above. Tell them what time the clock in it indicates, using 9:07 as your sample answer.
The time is 6:54
